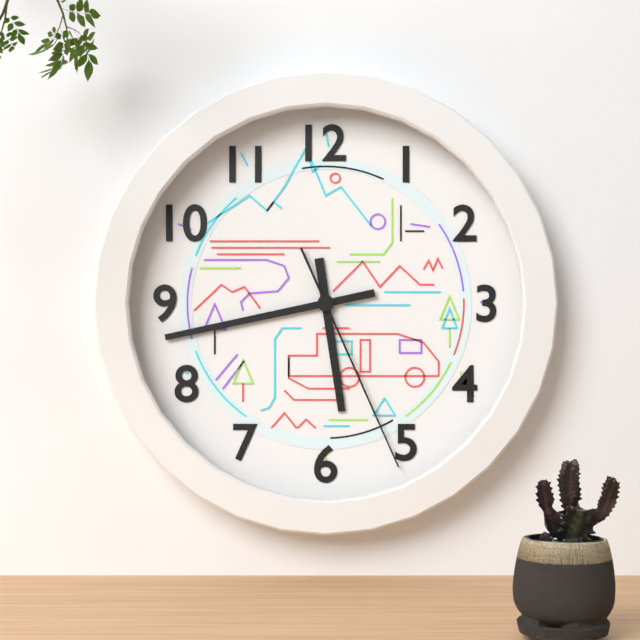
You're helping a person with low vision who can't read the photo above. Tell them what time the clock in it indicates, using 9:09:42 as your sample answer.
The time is 5:43:26
